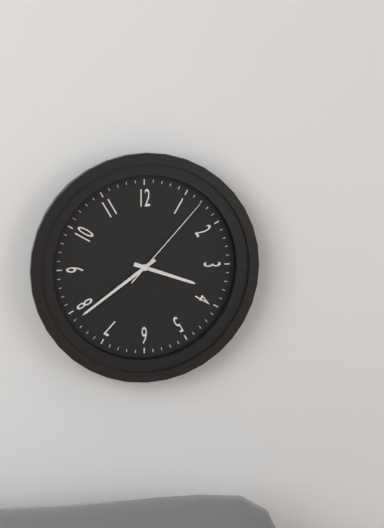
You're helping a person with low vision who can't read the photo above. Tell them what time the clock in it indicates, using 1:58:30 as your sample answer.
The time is 3:39:07
